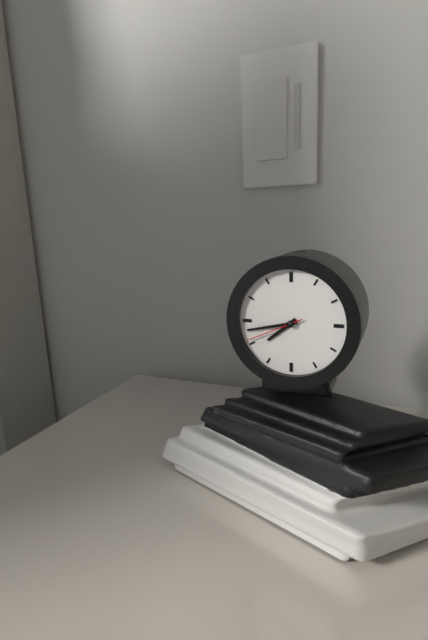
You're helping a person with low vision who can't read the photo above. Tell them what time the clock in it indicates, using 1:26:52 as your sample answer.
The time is 7:43:41
